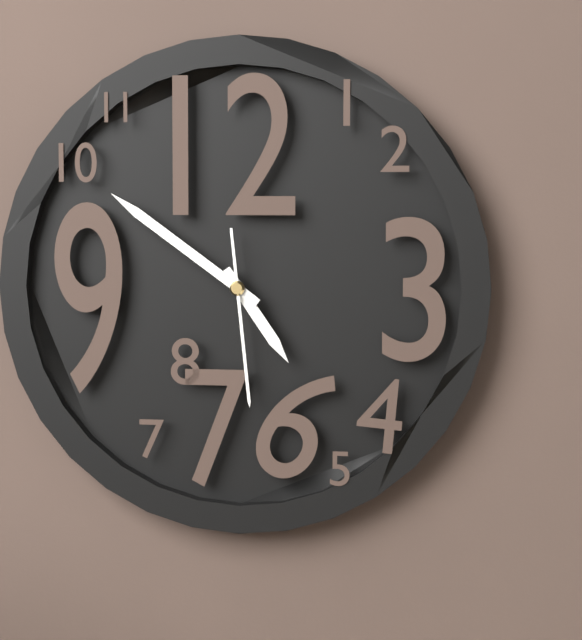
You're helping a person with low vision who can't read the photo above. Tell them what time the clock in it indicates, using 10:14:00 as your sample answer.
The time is 4:51:29
